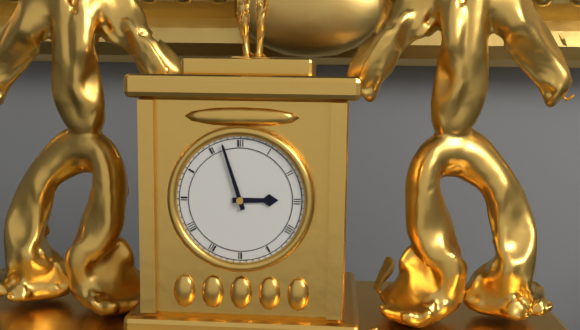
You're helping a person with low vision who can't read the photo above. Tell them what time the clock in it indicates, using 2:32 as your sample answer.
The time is 2:57
